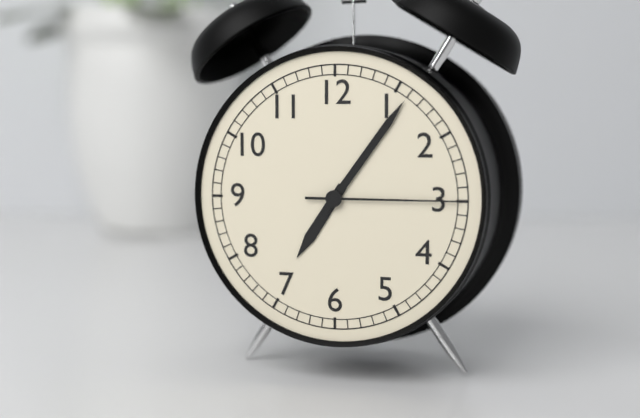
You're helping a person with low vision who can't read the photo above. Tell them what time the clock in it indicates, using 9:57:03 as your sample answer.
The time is 7:06:15
